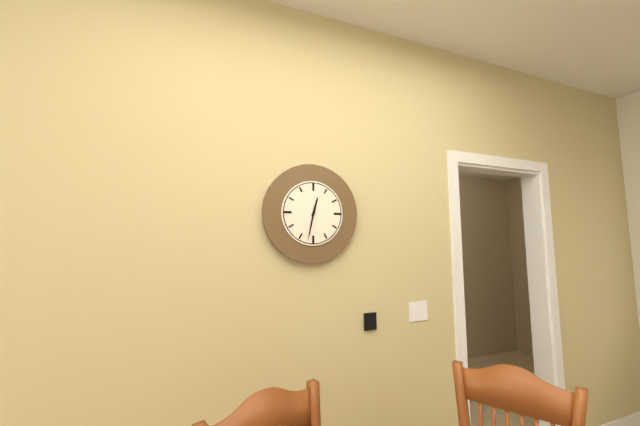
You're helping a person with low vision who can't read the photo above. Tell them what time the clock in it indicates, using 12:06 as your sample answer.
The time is 12:32
